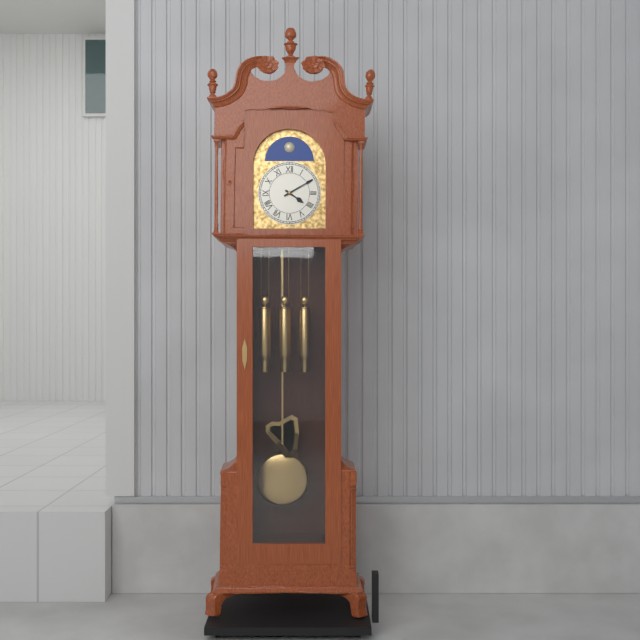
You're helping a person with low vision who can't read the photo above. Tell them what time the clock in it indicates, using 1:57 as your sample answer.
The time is 4:10
